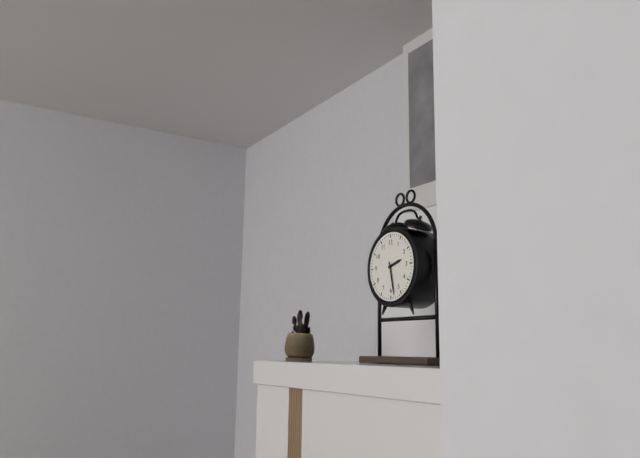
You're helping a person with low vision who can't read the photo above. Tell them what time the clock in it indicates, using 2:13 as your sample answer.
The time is 2:28
